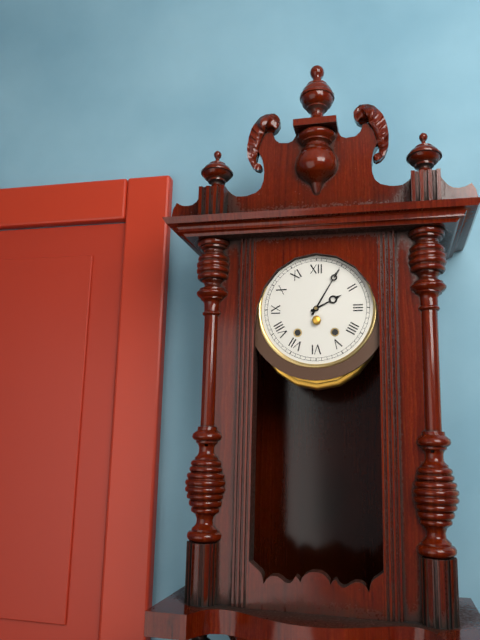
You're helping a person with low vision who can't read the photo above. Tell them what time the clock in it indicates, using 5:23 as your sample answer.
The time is 2:05
